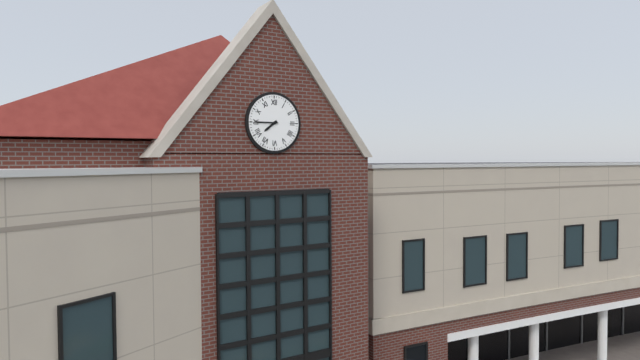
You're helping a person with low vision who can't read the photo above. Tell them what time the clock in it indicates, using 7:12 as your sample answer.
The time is 7:45
